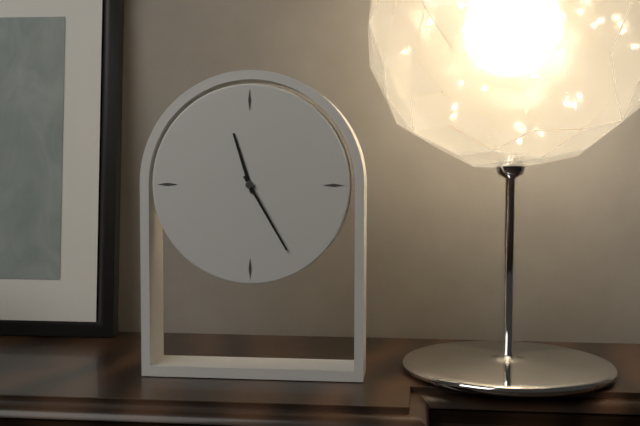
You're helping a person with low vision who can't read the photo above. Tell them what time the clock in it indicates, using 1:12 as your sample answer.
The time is 11:25
